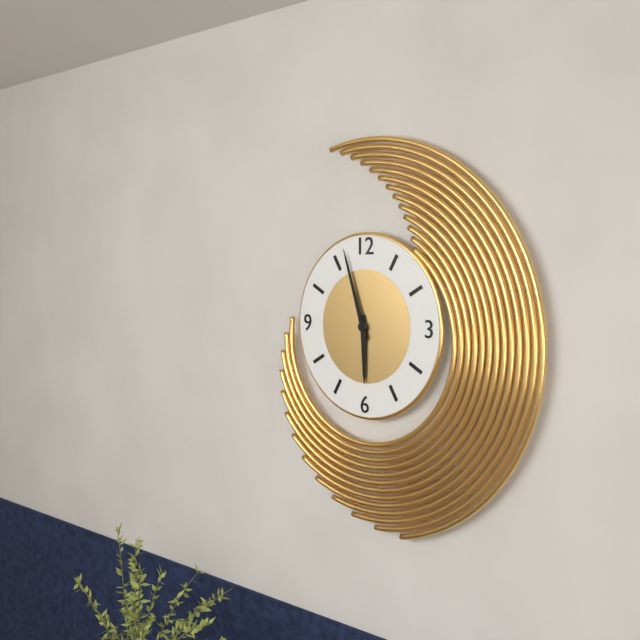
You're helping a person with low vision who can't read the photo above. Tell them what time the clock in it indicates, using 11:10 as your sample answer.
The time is 5:57
